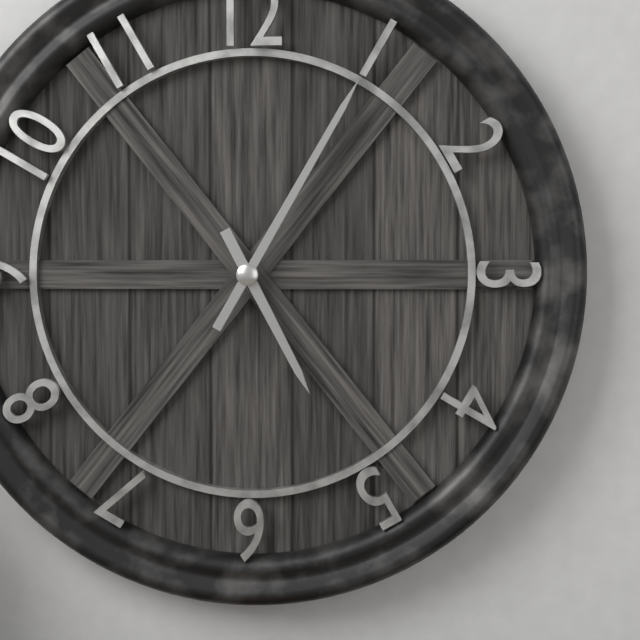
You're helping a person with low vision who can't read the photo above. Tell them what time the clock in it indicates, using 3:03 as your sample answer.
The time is 5:05
